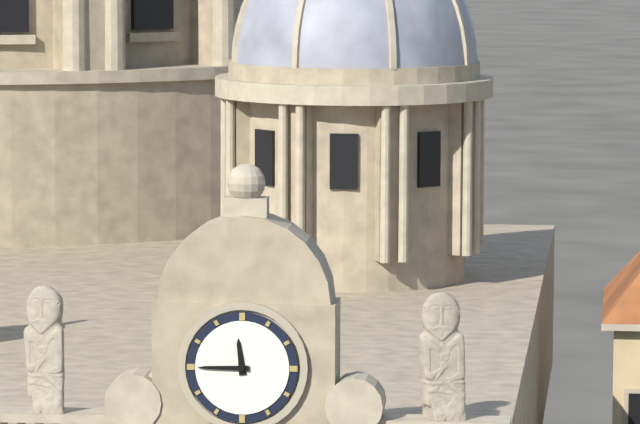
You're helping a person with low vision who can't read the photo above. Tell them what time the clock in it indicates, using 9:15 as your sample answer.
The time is 11:45
